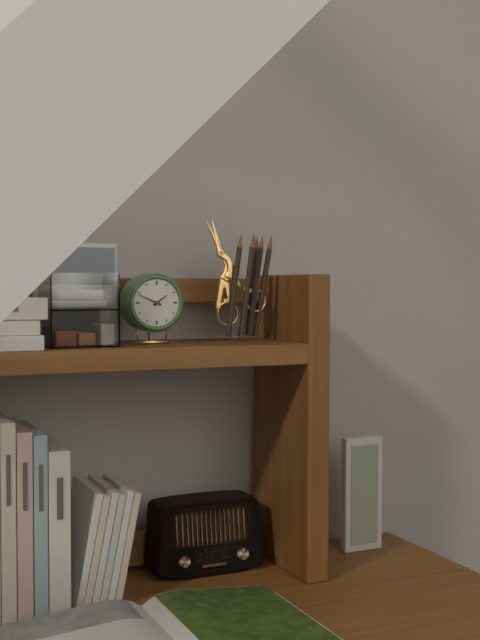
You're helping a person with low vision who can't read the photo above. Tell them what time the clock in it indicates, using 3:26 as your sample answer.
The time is 1:49
